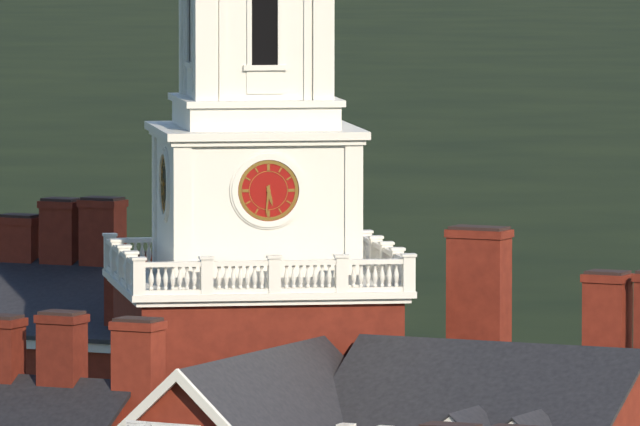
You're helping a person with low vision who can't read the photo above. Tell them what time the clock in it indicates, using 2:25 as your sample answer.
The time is 5:31
